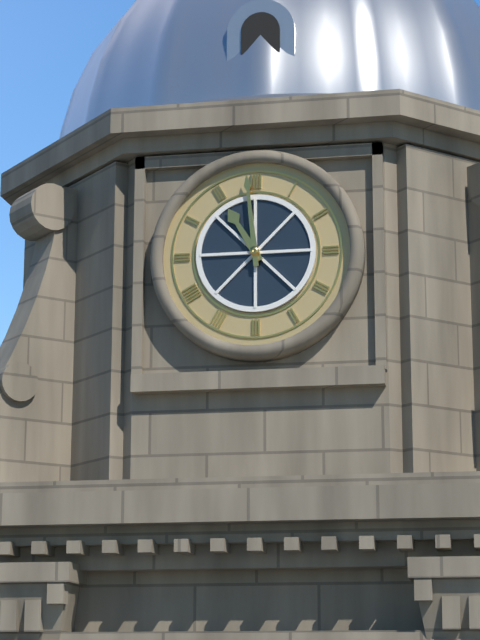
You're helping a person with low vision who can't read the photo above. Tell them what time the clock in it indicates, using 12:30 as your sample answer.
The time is 10:59
